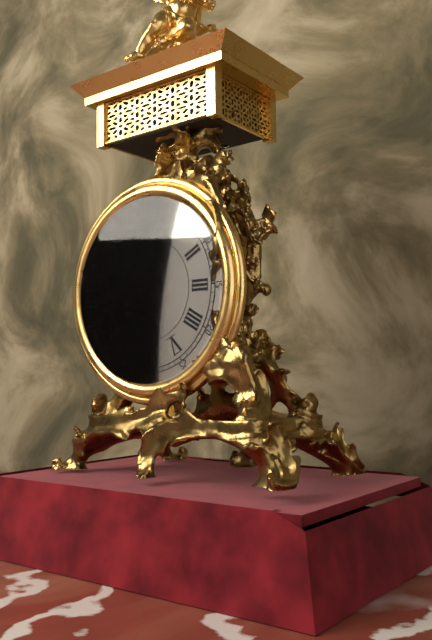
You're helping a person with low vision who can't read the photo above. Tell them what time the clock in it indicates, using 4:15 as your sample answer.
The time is 5:41
